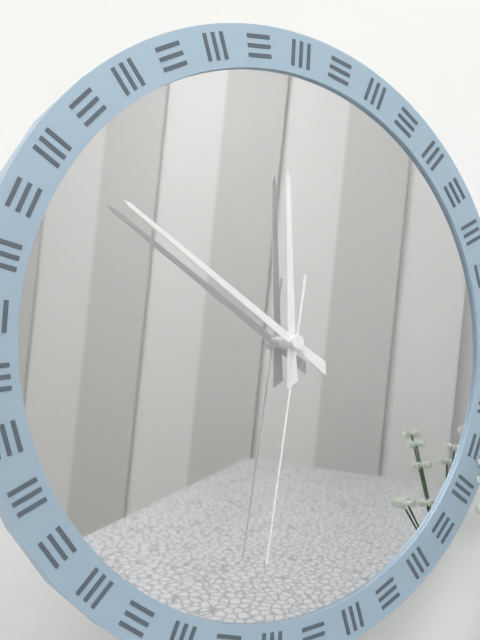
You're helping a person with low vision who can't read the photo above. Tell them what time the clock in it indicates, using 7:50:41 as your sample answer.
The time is 11:50:31
